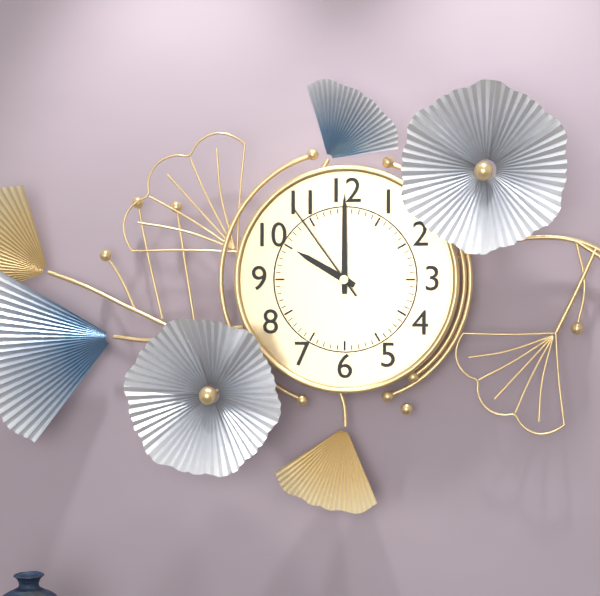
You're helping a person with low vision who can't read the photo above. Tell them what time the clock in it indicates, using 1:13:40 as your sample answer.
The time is 10:00:54
